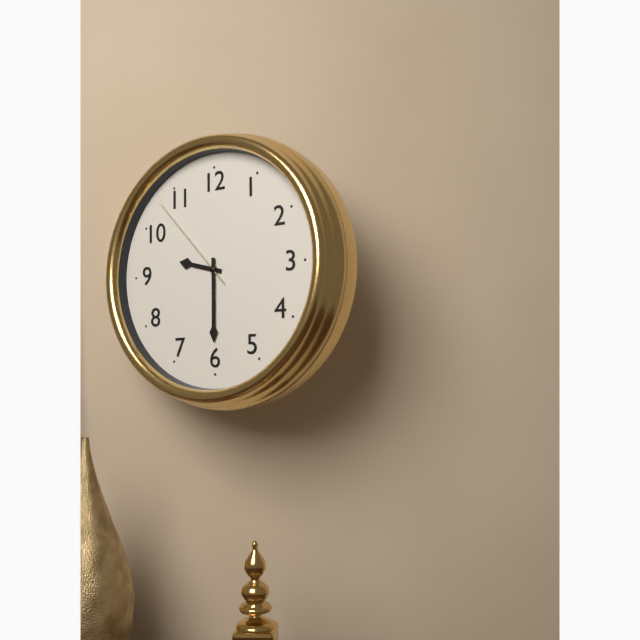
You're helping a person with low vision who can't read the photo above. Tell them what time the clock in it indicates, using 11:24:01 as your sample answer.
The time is 9:30:53
